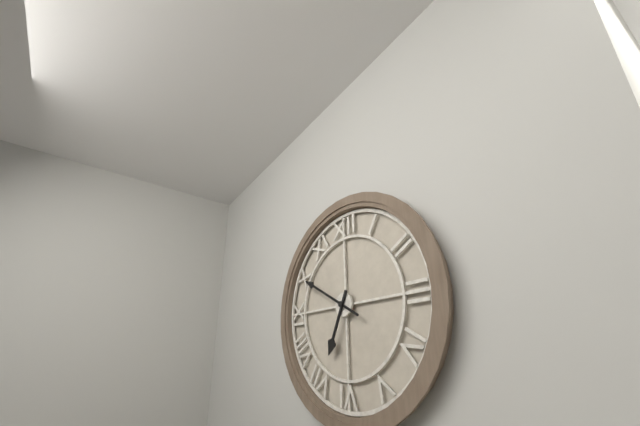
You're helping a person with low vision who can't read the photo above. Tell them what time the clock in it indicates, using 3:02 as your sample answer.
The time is 6:50
